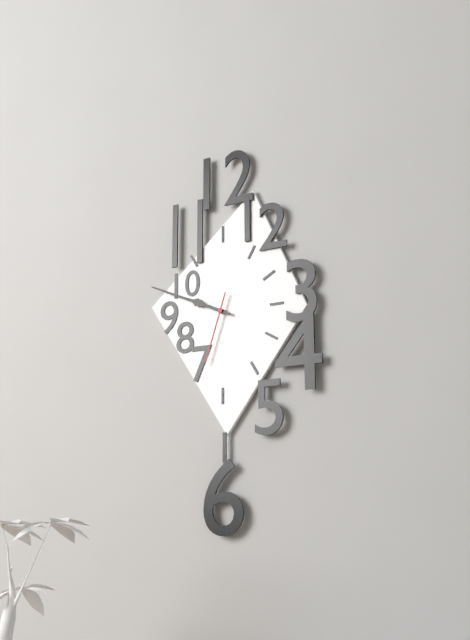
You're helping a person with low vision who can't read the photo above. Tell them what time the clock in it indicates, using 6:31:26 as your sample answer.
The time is 9:49:33
